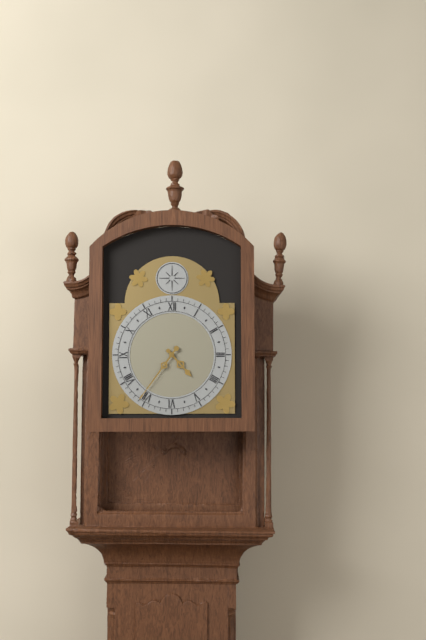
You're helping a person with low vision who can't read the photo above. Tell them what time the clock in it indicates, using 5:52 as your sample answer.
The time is 4:36
